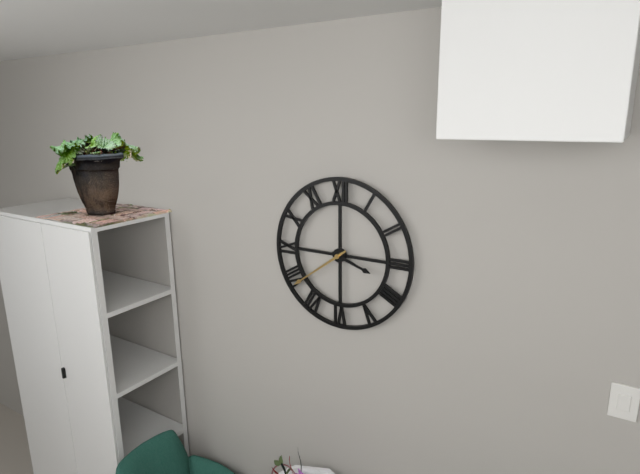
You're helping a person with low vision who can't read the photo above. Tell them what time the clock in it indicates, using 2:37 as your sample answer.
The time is 3:39
